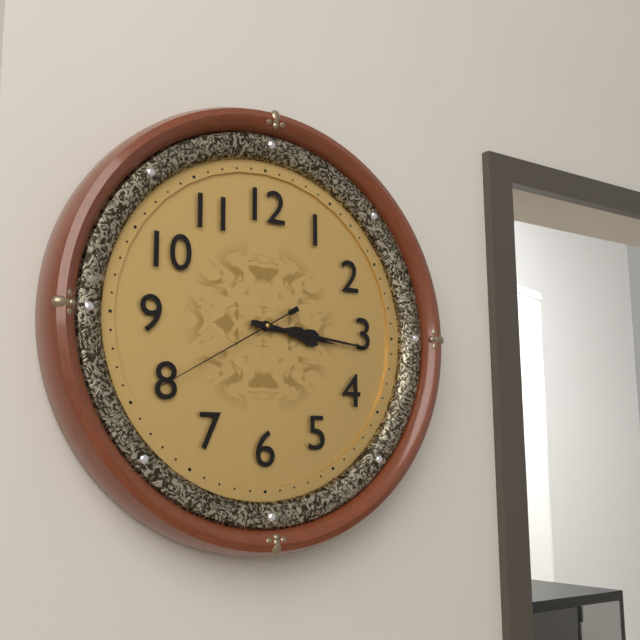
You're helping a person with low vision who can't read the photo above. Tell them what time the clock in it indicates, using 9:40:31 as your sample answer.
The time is 3:16:40
